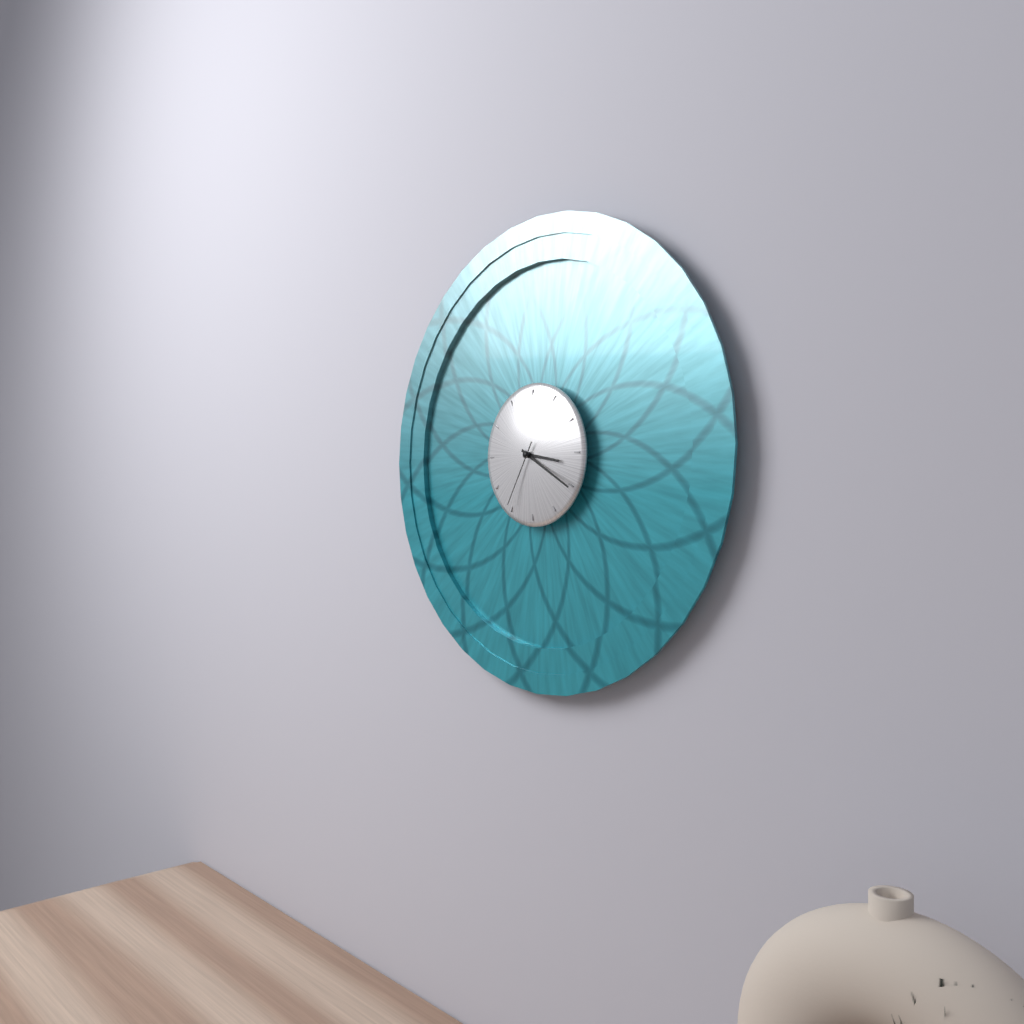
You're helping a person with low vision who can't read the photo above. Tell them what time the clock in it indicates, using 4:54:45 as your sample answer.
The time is 3:20:35
